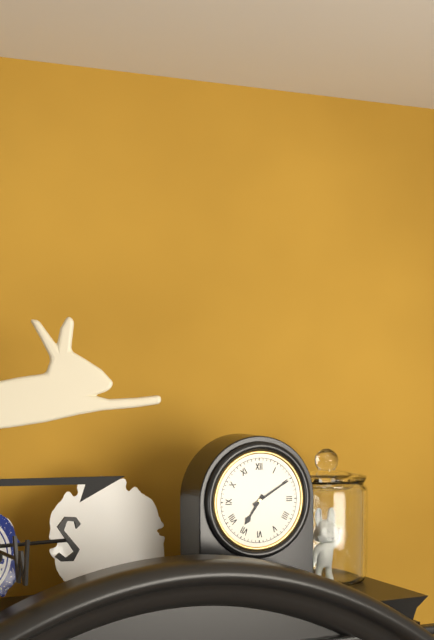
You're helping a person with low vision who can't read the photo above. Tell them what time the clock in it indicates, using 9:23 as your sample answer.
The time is 7:10
